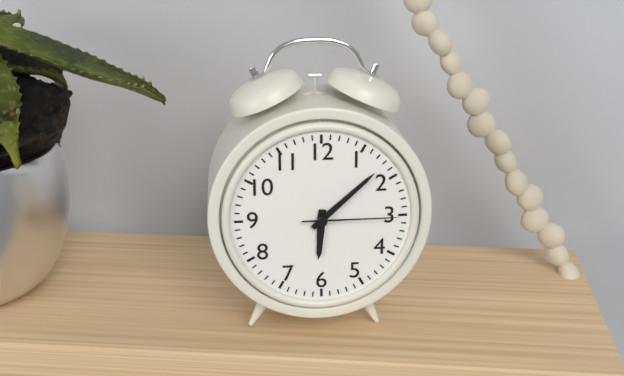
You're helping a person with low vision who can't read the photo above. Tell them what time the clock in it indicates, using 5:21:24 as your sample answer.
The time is 6:08:15
